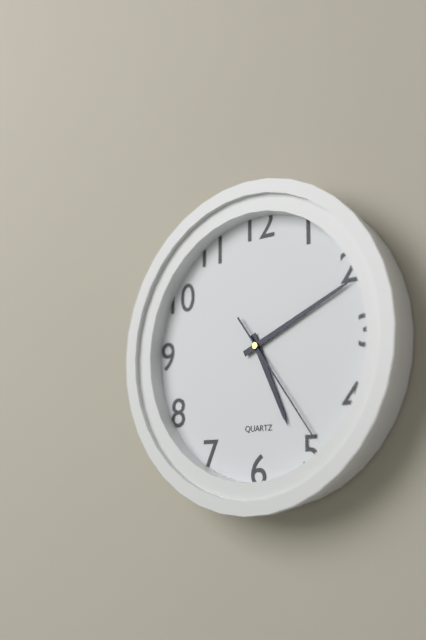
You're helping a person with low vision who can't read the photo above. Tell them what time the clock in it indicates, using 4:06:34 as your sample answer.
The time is 5:11:24
